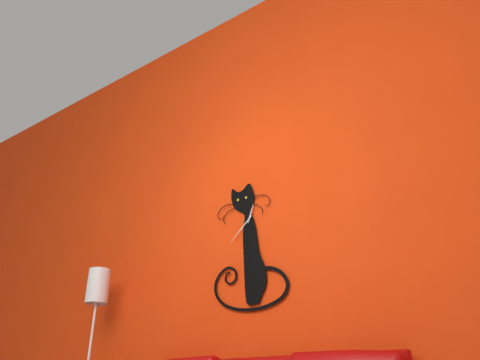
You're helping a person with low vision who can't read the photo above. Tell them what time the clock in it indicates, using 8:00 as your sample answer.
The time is 12:38
